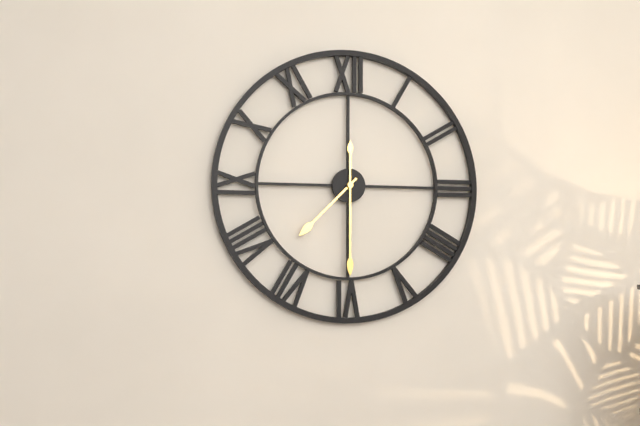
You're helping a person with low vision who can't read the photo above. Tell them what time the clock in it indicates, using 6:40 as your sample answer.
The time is 7:30
